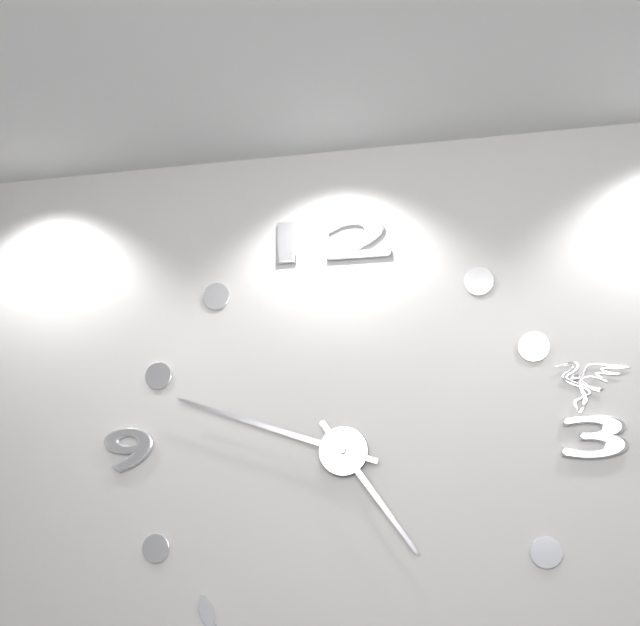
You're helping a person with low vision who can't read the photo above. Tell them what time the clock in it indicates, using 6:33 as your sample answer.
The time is 4:48
